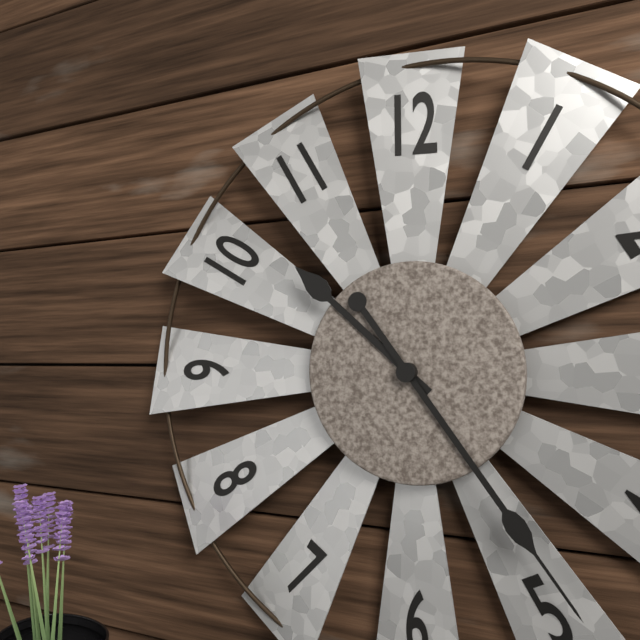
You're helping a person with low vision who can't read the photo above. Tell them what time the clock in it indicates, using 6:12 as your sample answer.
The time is 10:24
